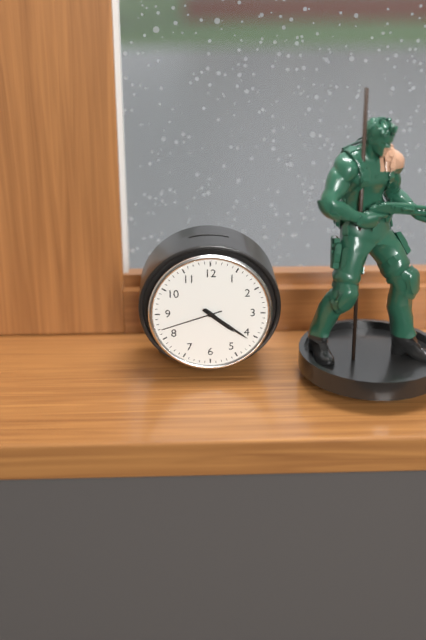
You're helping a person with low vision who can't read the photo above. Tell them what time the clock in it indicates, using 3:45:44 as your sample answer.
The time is 4:21:42
